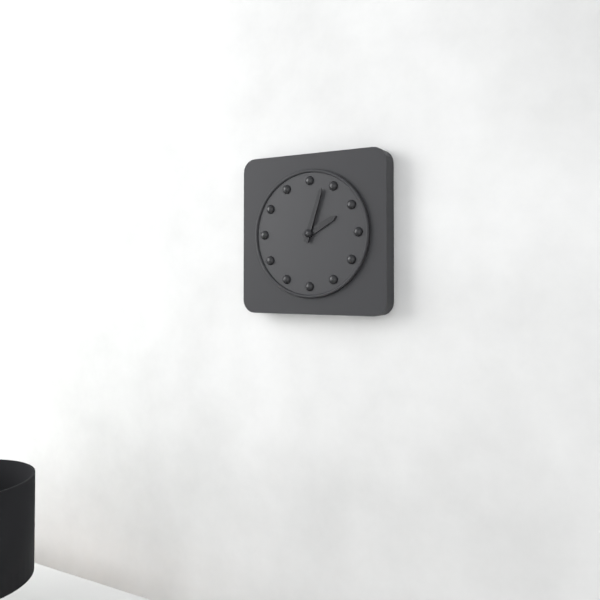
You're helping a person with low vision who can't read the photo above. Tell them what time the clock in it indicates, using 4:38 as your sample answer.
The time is 2:03
